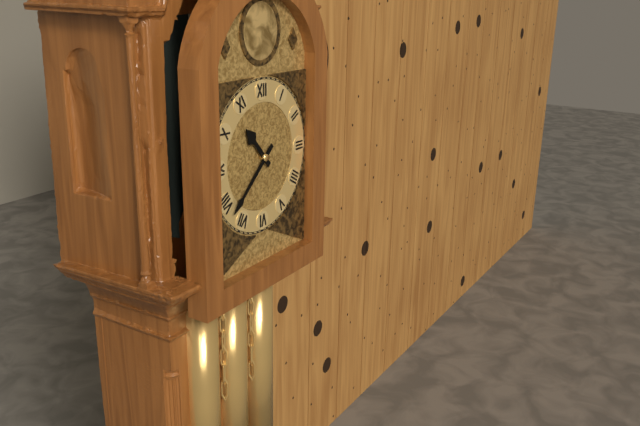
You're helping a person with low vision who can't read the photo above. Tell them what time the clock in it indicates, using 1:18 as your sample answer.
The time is 10:38
